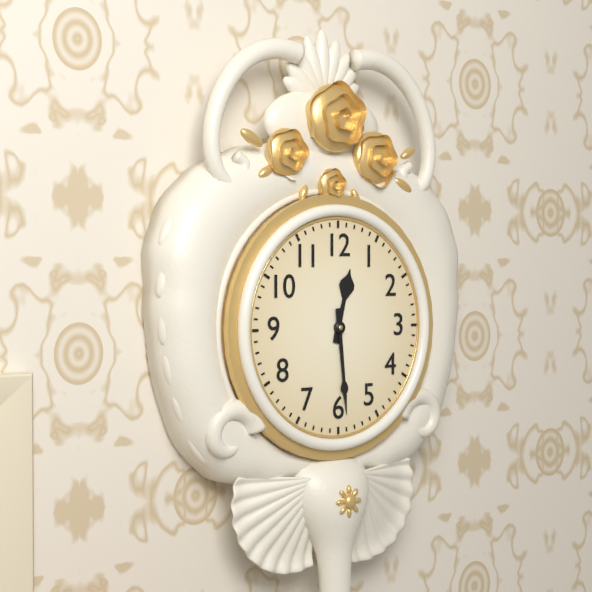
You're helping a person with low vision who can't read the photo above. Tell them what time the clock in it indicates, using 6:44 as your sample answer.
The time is 12:29
